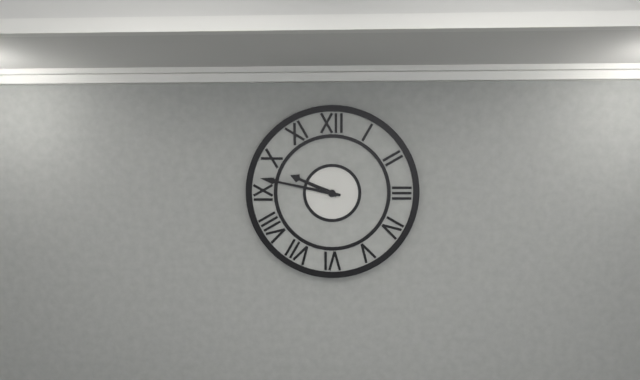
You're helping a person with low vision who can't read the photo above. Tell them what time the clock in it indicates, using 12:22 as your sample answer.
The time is 9:47
